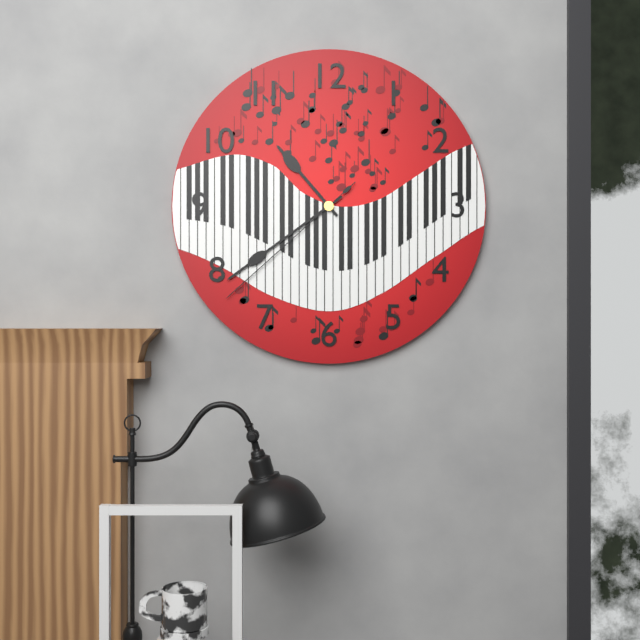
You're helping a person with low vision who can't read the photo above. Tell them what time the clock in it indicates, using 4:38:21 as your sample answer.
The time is 10:39:38
